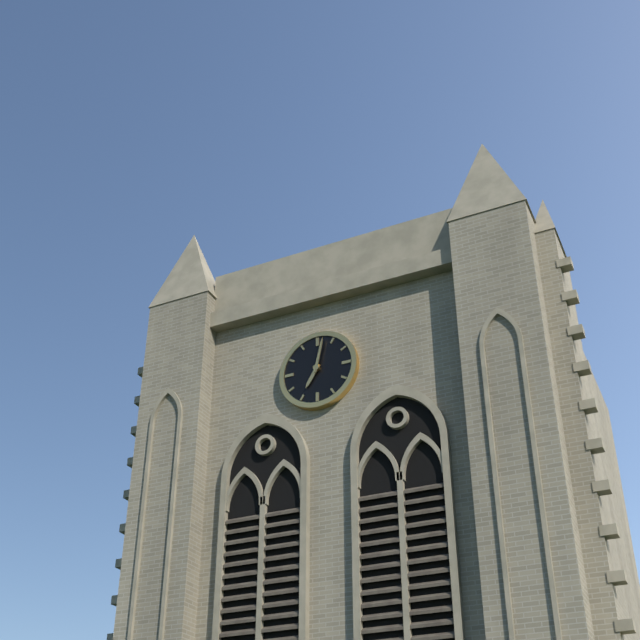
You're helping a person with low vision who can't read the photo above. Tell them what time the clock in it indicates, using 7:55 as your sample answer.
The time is 7:02
